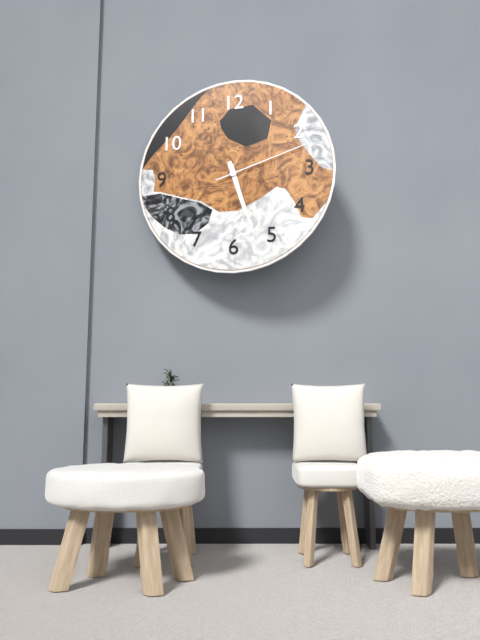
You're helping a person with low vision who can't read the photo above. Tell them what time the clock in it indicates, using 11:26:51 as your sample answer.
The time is 5:27:12
